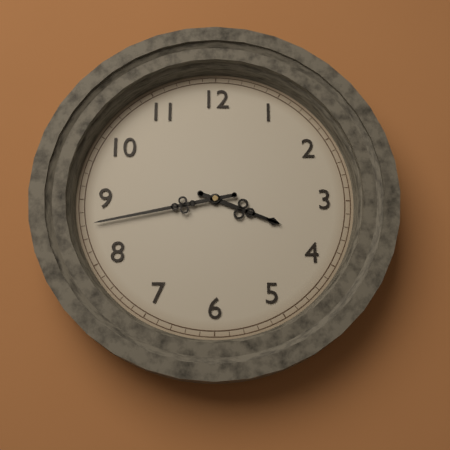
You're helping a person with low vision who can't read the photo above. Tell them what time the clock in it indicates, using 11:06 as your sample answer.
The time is 3:43
